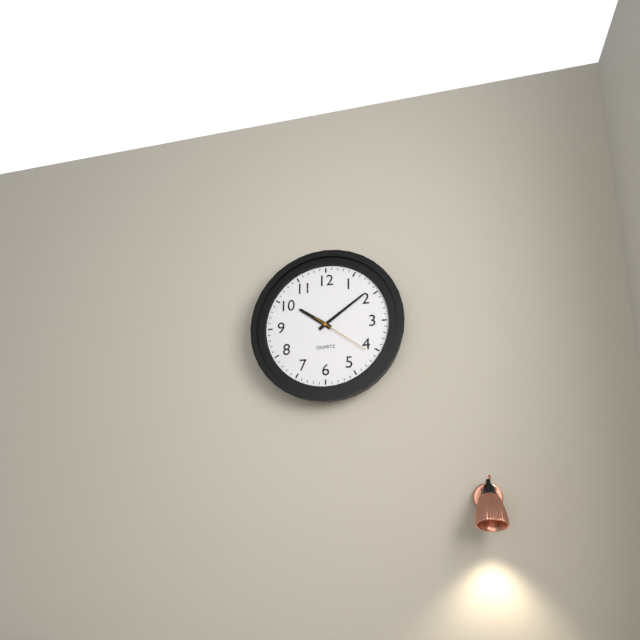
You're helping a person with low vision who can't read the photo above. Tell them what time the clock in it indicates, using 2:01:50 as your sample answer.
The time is 10:09:21
